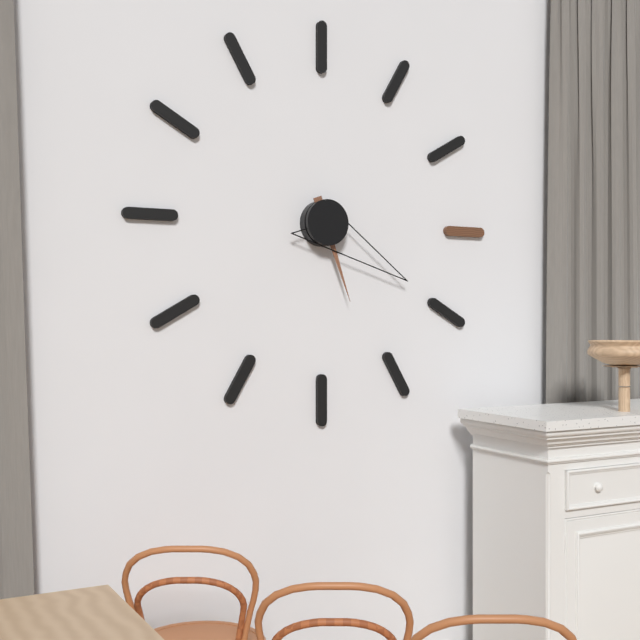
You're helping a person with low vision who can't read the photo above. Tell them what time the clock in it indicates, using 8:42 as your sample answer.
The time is 5:20
